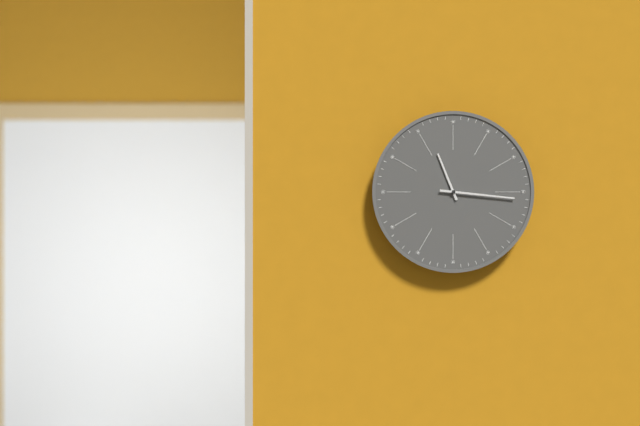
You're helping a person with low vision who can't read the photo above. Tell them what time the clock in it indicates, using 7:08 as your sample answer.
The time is 11:16
